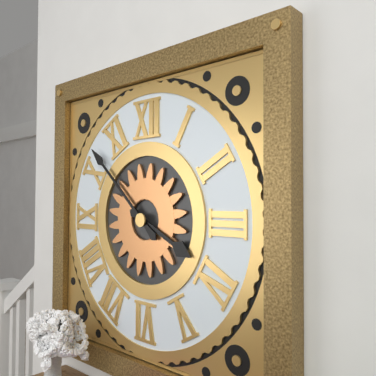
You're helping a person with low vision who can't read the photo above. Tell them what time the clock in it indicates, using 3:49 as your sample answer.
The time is 3:52
